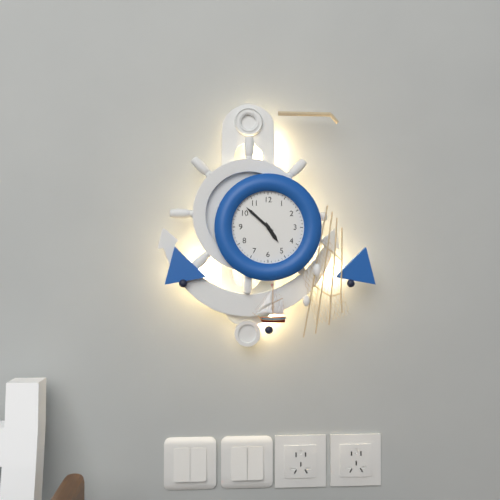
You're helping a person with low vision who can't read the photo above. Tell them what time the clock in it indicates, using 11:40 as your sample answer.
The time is 4:52
